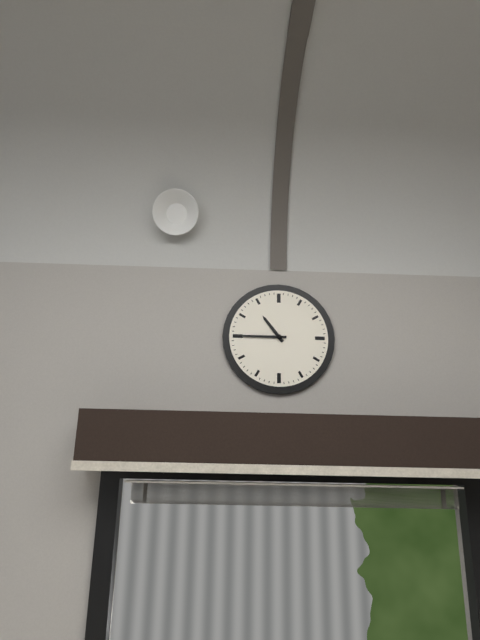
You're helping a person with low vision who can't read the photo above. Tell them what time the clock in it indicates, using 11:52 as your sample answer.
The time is 10:45
